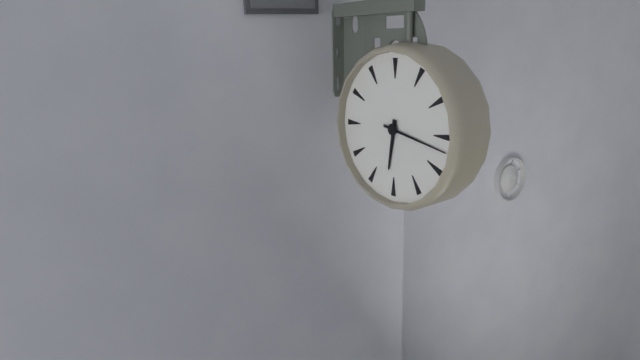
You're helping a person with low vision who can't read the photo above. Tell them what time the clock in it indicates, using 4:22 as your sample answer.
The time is 6:17
